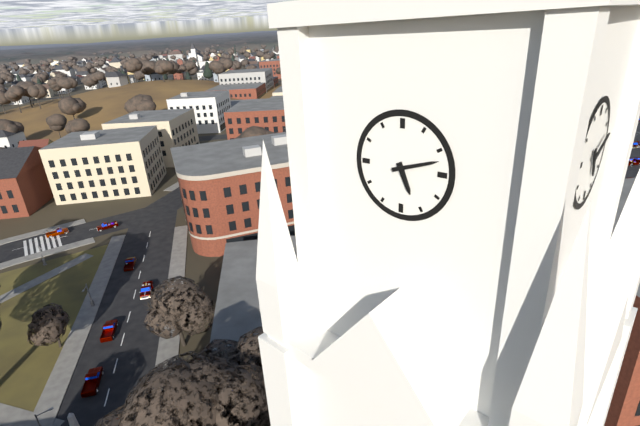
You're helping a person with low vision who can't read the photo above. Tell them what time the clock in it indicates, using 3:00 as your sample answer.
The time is 5:12
